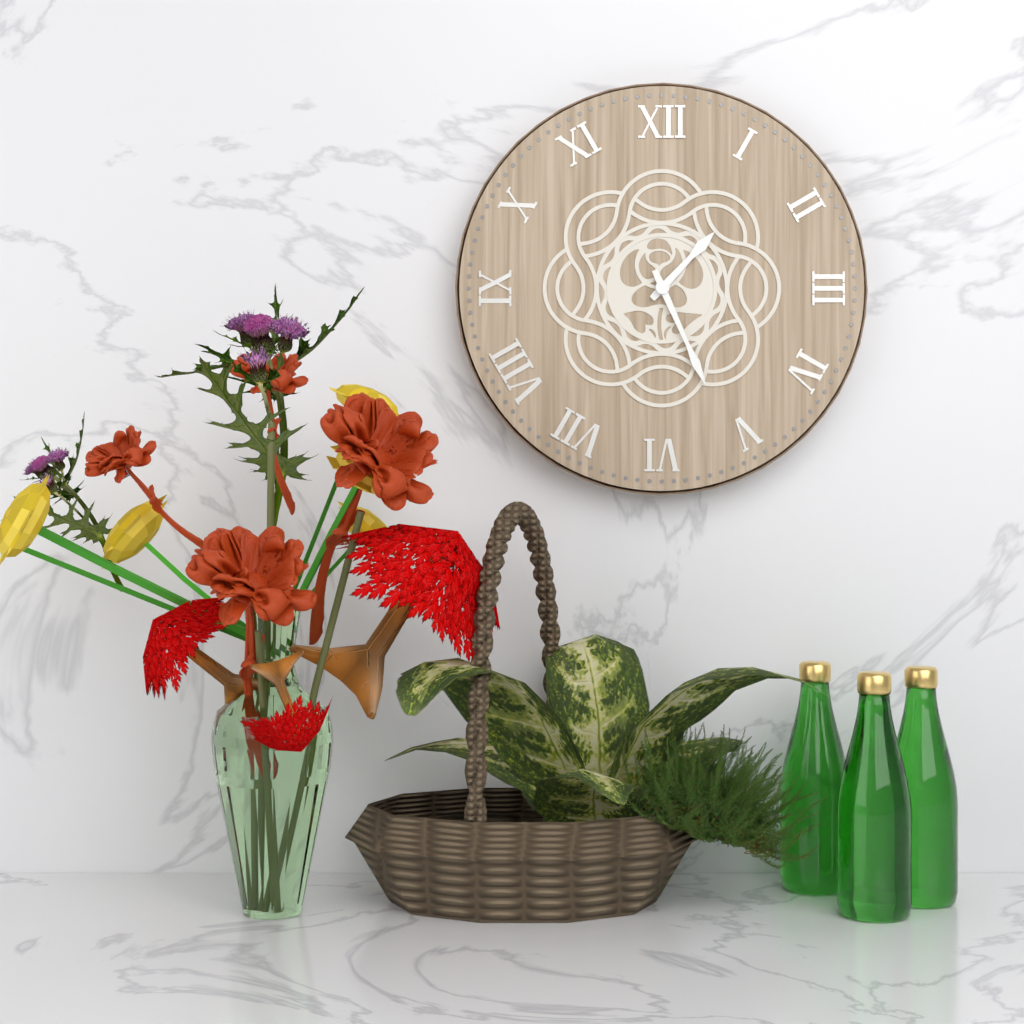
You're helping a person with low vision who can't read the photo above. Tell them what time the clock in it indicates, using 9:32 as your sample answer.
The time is 1:26
